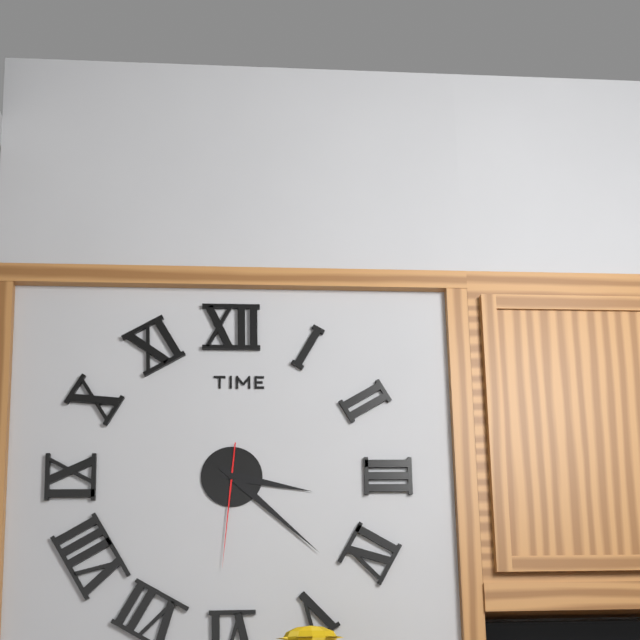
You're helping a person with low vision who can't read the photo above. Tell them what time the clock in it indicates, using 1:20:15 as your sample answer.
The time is 3:22:31
